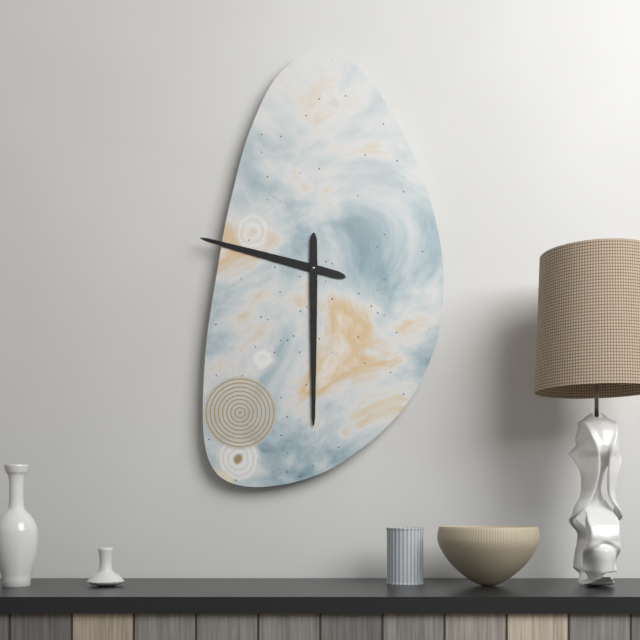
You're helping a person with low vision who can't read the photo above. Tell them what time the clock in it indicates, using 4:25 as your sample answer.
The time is 9:30
